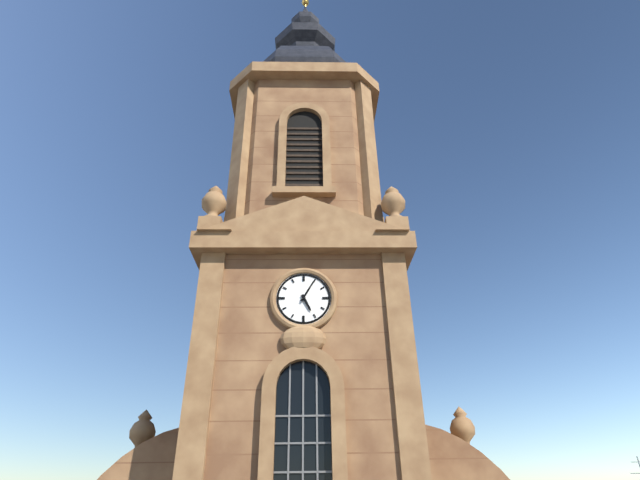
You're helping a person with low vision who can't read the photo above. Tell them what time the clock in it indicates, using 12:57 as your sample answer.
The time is 5:05
